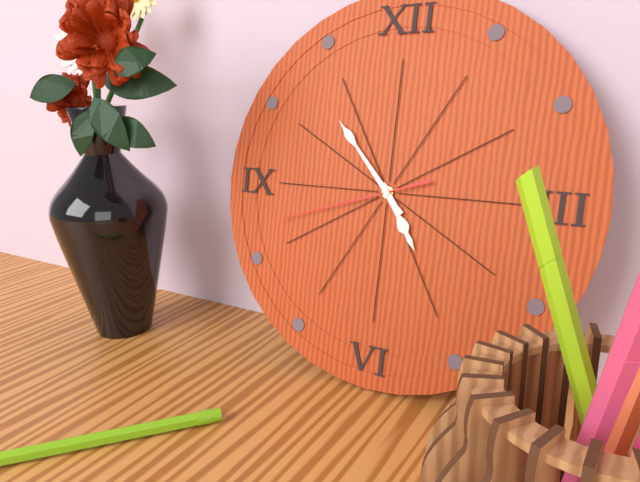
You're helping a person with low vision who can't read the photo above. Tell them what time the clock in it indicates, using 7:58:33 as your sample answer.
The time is 4:53:42
